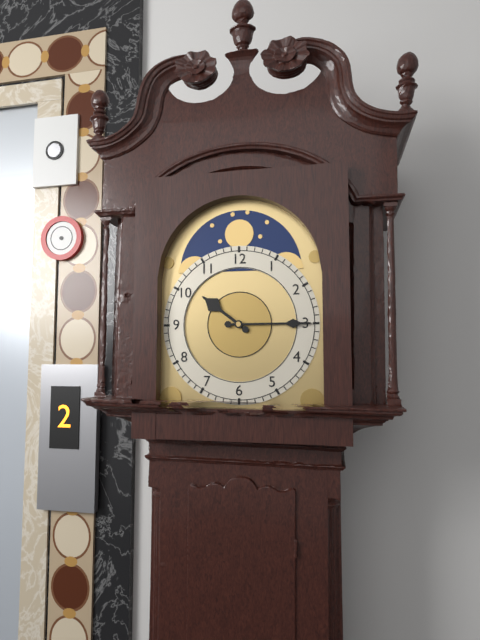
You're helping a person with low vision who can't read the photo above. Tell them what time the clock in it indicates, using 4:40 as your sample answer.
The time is 10:15
